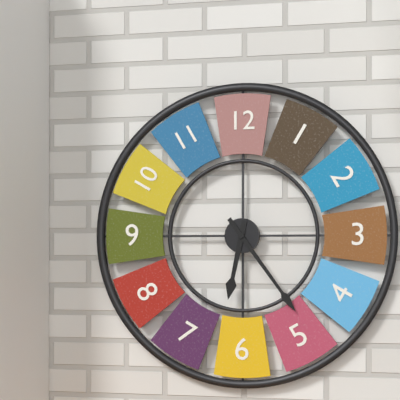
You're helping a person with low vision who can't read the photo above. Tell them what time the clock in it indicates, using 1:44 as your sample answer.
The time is 6:24
